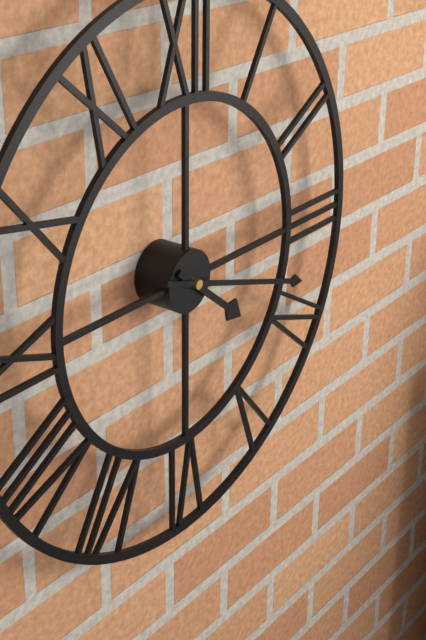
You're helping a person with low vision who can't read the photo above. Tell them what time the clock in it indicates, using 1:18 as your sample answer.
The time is 4:18
